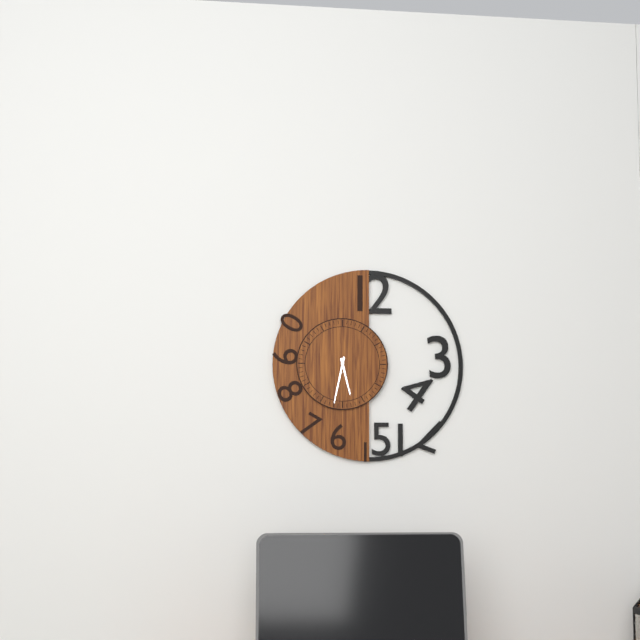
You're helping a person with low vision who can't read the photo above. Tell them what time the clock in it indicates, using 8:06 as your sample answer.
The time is 5:32
